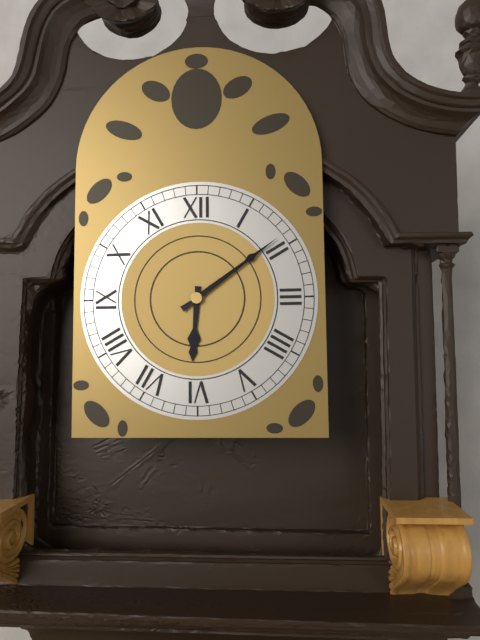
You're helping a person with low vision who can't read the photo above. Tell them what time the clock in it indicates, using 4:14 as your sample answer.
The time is 6:09
